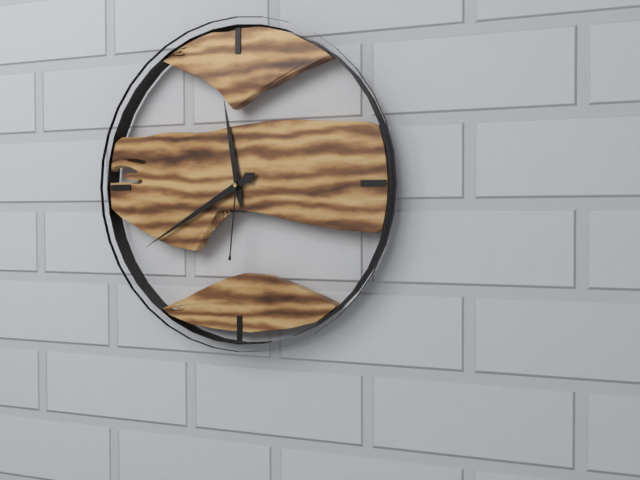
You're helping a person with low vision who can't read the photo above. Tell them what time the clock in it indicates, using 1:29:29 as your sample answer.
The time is 11:40:31
